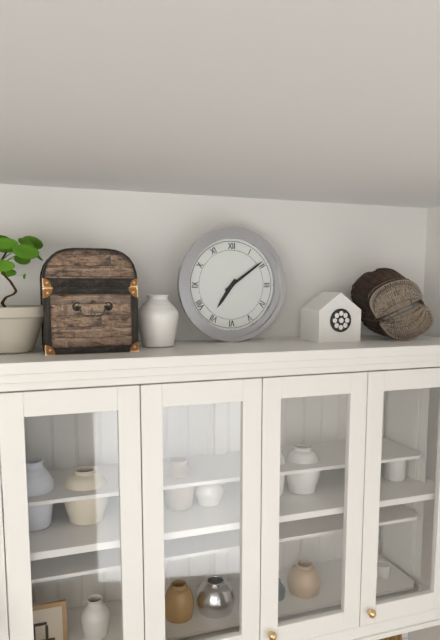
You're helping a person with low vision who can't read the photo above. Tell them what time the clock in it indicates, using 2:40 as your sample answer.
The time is 7:09
